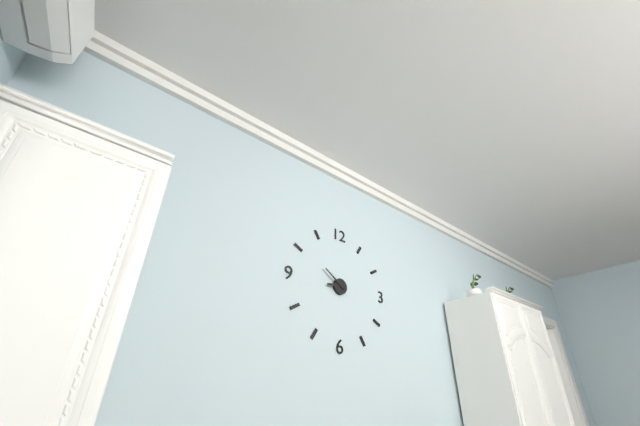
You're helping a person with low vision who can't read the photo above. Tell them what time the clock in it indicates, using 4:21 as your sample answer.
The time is 8:51
